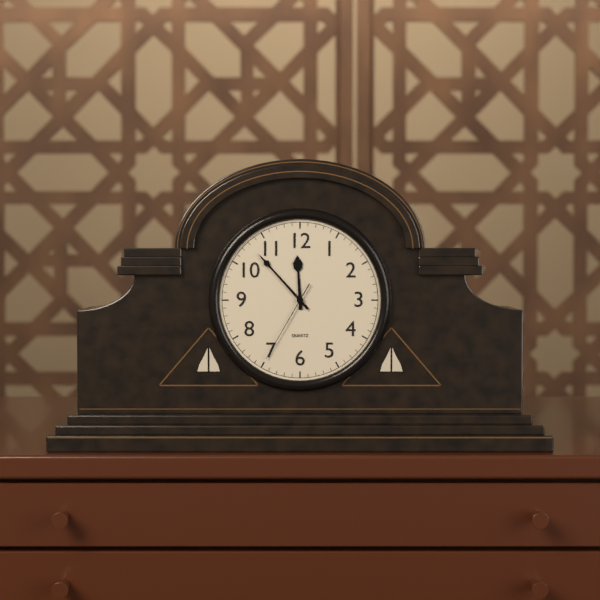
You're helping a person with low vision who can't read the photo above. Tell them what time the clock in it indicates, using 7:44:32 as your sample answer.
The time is 11:53:35
